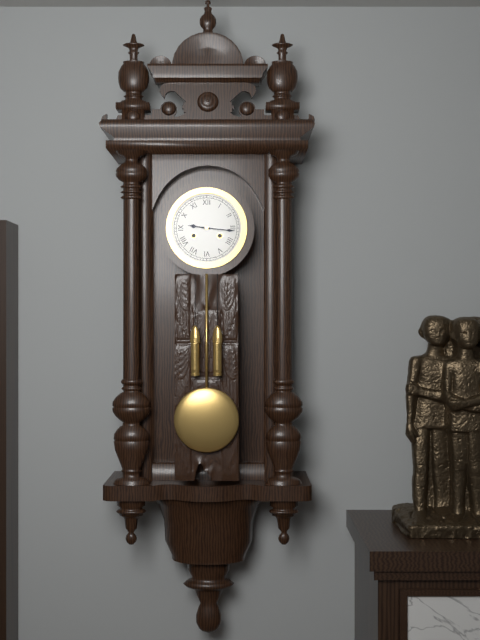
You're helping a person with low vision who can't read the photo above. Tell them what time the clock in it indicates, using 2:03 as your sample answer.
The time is 9:16
